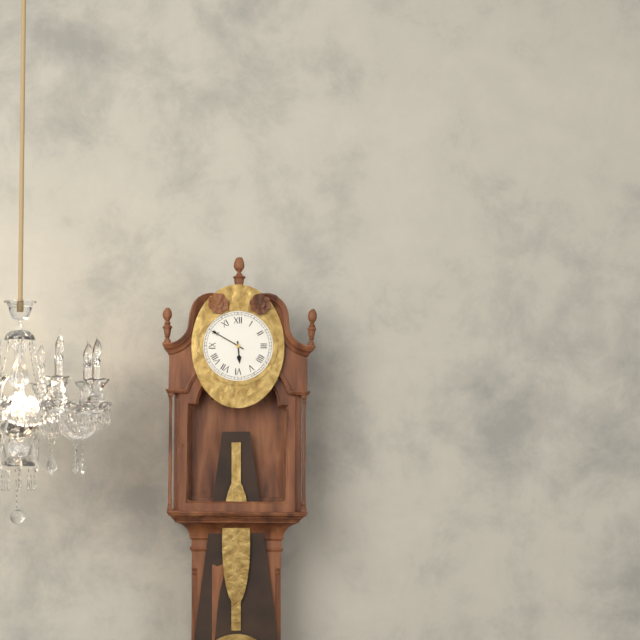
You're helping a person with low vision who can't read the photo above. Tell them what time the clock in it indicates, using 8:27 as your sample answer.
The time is 5:50
